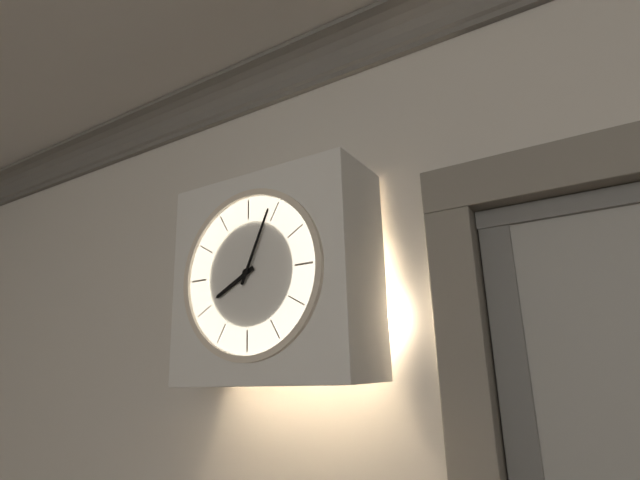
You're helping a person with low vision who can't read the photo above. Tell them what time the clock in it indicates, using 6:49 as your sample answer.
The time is 8:04
